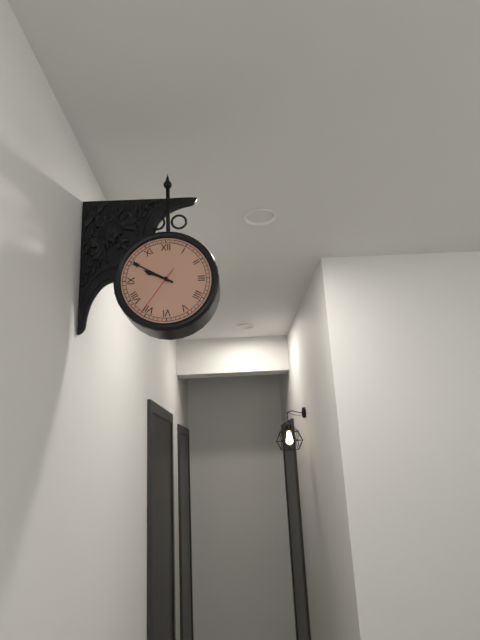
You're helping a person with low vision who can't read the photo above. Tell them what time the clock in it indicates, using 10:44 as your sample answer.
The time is 9:50
